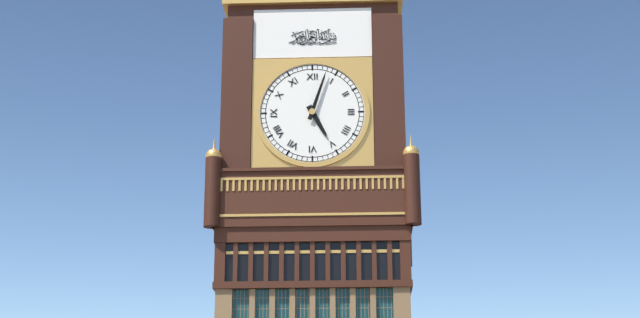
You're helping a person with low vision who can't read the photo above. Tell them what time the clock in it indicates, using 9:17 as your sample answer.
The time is 5:03
